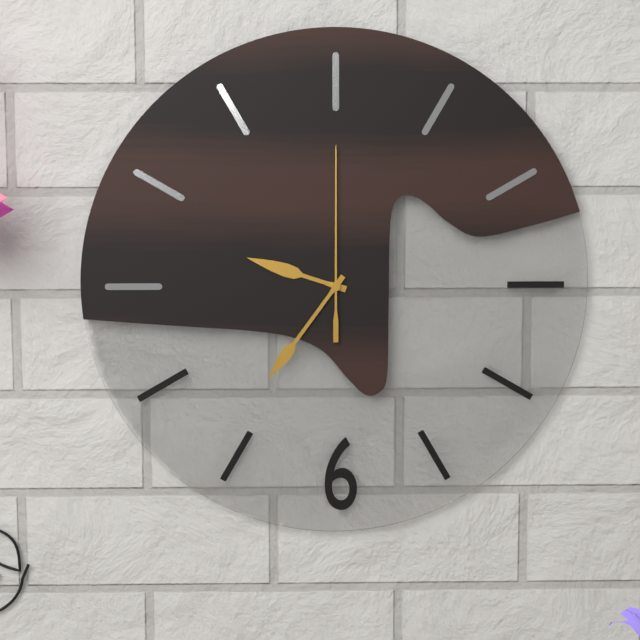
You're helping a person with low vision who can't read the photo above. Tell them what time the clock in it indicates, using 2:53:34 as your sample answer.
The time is 9:36:00
